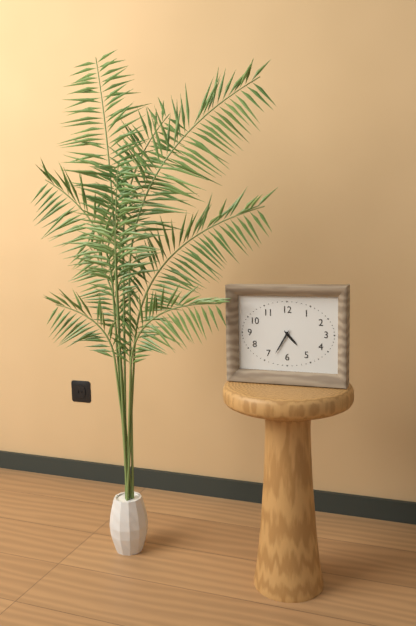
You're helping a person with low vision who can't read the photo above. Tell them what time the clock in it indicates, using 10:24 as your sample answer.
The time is 4:35
